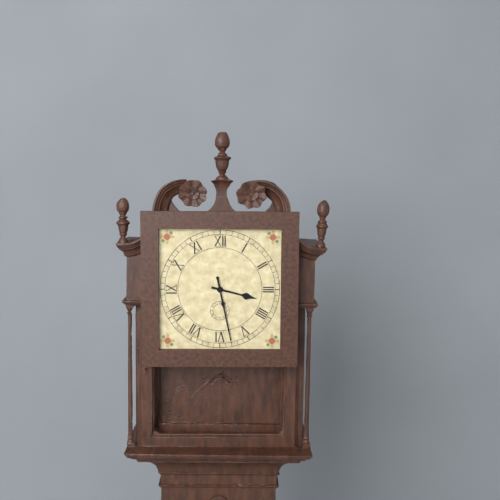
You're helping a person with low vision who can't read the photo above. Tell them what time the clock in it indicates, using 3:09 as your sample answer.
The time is 3:28
